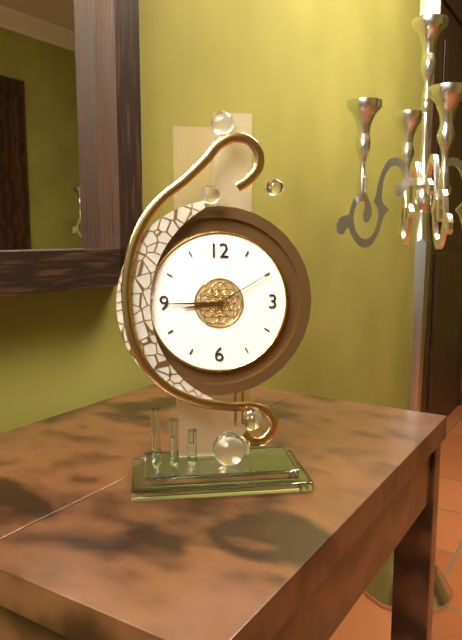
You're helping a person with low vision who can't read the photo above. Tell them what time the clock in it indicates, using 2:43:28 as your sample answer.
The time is 8:45:10
